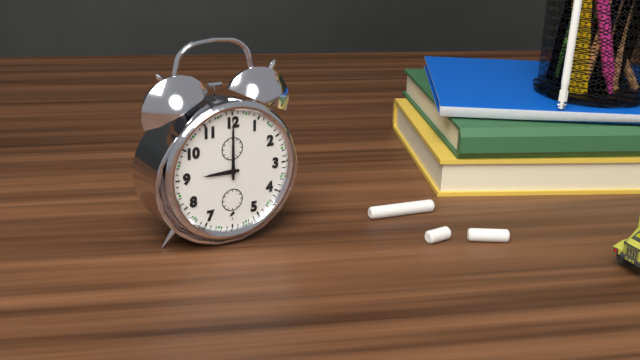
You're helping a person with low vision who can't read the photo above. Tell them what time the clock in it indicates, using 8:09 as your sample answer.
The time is 9:00
